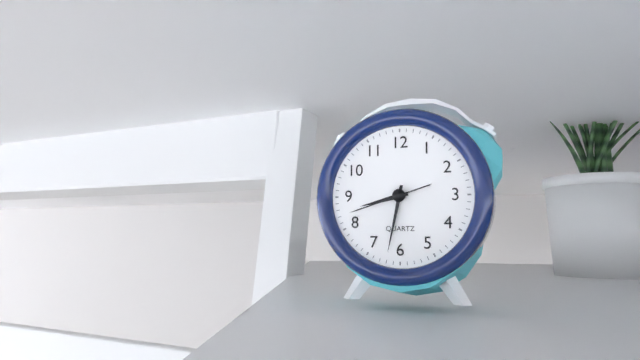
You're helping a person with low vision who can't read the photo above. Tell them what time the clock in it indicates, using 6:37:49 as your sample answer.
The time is 8:32:42
